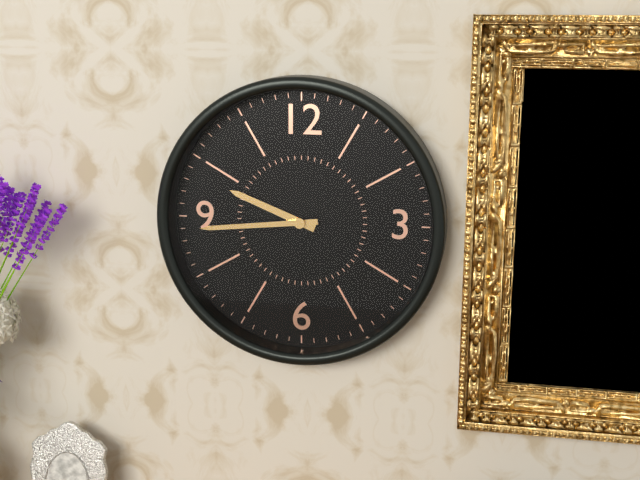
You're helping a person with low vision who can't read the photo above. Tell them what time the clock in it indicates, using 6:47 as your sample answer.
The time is 9:44
